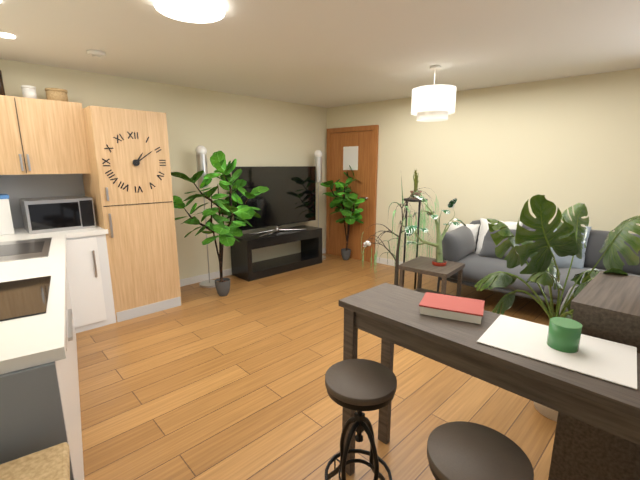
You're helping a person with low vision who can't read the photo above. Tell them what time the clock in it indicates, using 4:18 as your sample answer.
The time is 1:09
